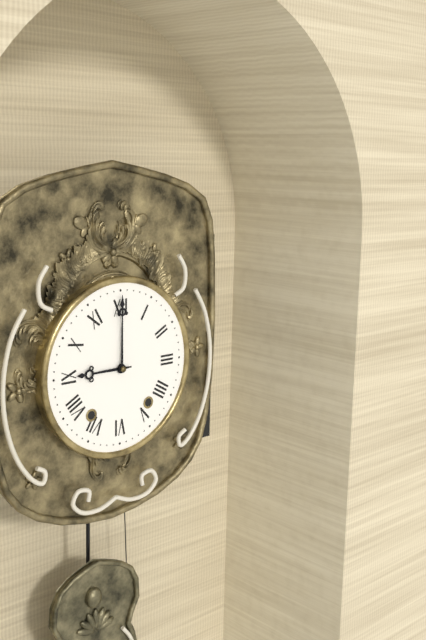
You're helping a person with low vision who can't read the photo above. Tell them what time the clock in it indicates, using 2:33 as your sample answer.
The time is 9:00
